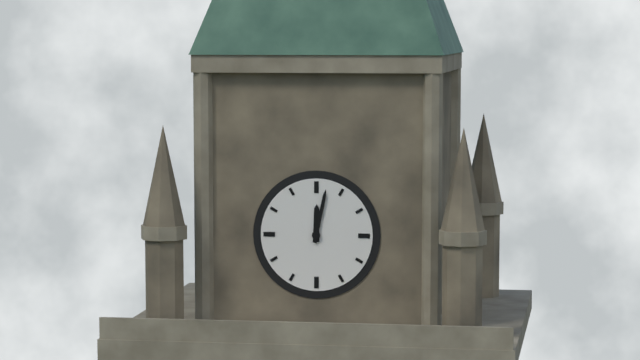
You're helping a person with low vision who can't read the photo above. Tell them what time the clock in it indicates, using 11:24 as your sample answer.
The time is 12:02
